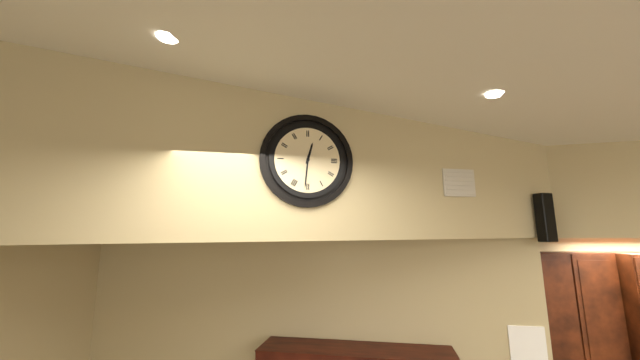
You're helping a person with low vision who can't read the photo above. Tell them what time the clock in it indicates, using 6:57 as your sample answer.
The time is 12:31
